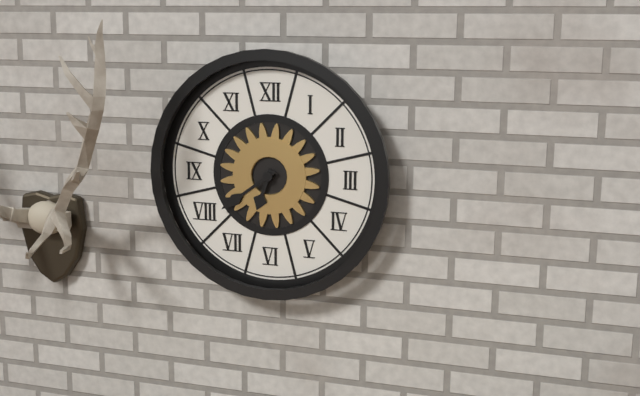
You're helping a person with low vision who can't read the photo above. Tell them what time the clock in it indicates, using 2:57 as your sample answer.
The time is 6:39
